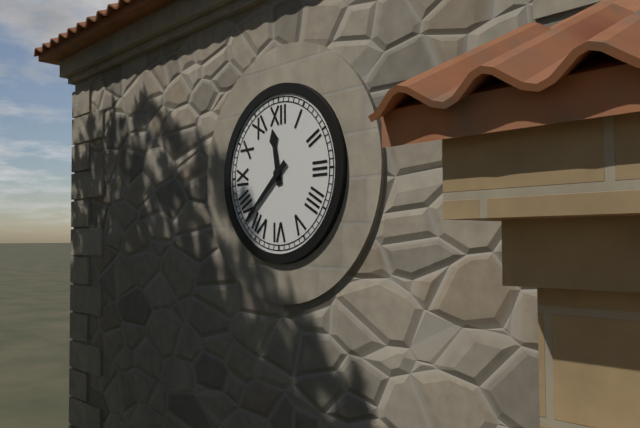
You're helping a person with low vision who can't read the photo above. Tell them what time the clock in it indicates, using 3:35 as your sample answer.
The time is 11:38
